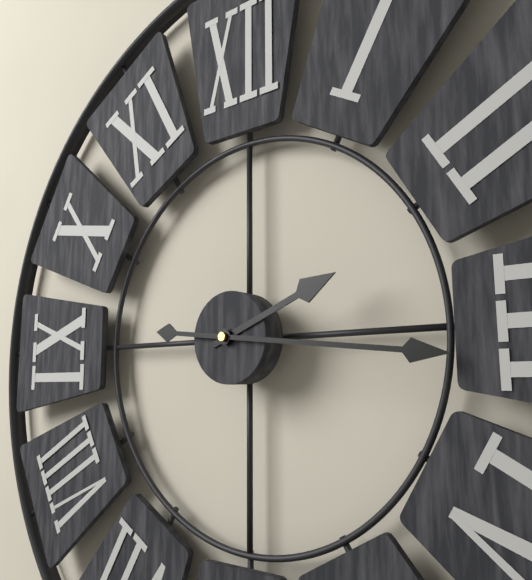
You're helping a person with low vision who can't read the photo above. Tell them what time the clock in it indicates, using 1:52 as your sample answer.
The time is 2:16
